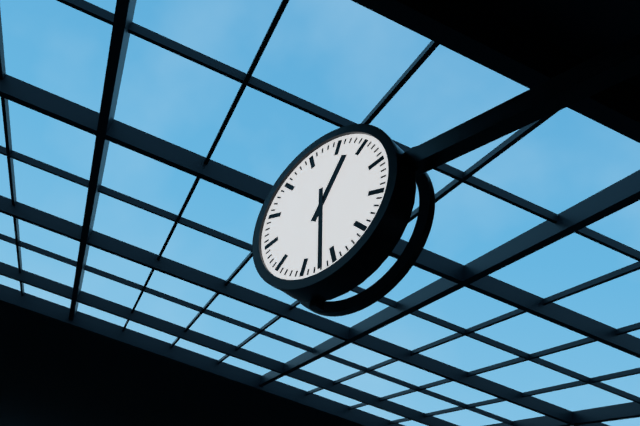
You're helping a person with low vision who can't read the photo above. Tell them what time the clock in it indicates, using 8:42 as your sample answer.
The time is 12:27
